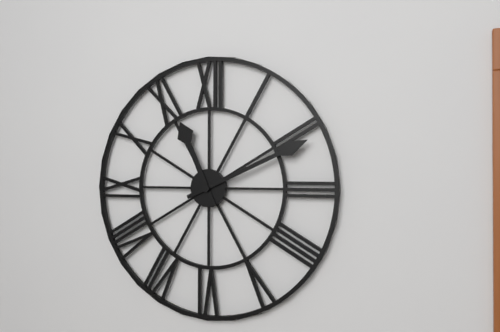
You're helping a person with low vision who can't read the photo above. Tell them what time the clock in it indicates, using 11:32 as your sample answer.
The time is 11:11
